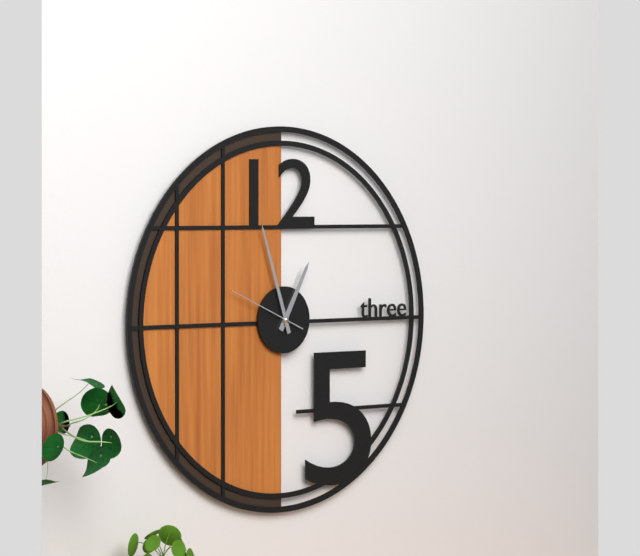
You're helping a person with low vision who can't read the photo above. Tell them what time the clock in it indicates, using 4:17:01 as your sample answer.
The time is 12:57:49
